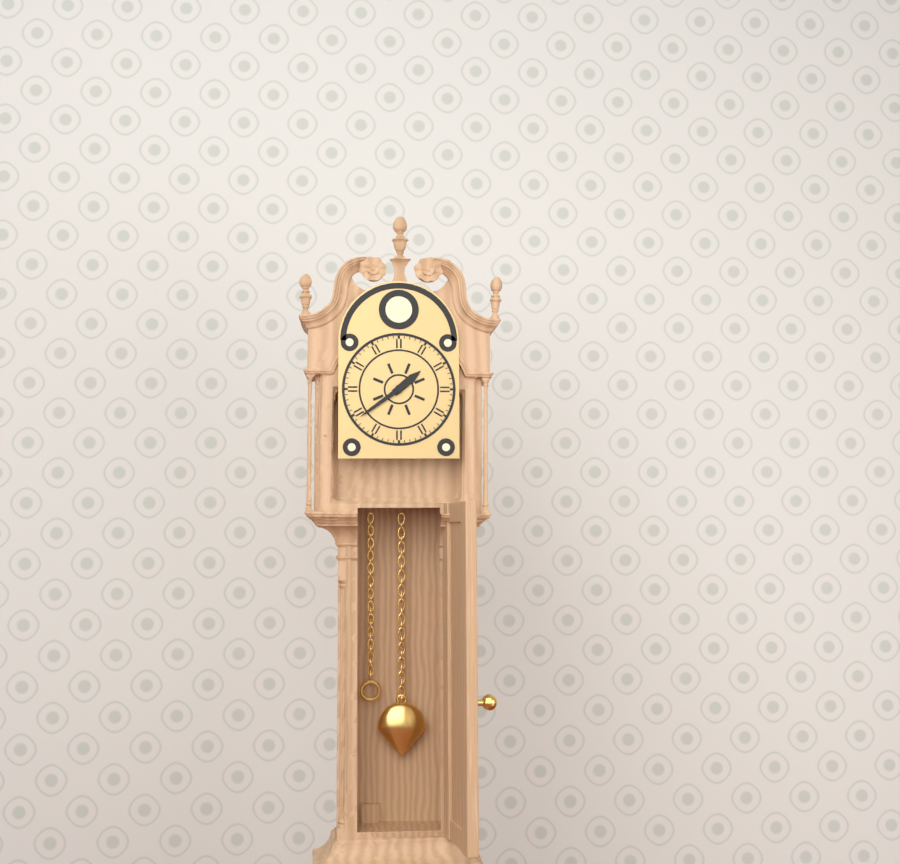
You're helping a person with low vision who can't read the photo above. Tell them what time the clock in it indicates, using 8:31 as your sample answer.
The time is 1:39
